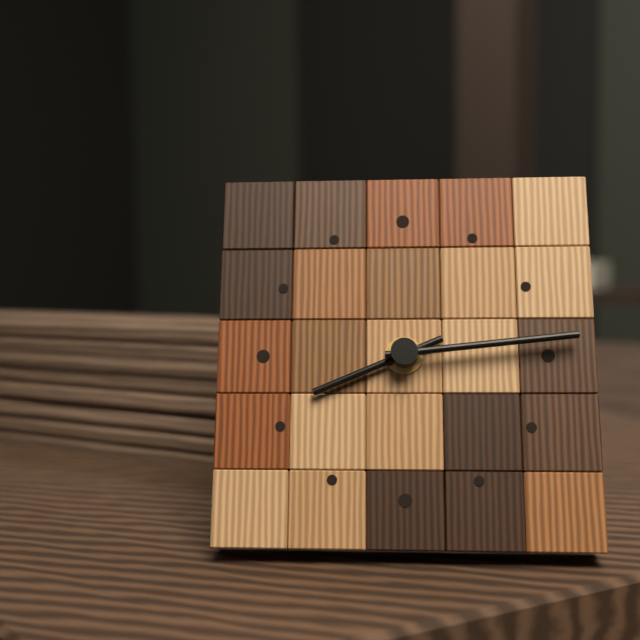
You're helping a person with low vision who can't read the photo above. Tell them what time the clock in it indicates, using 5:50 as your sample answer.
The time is 8:14
